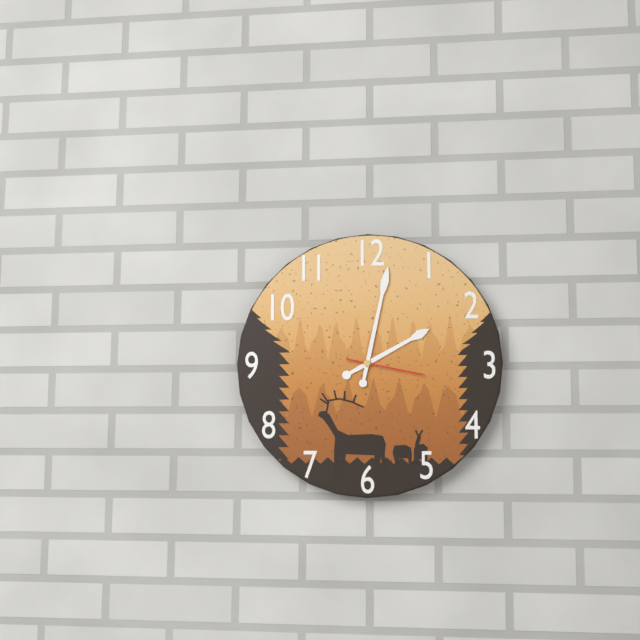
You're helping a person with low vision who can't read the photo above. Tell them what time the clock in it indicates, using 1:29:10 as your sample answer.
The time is 2:02:17
